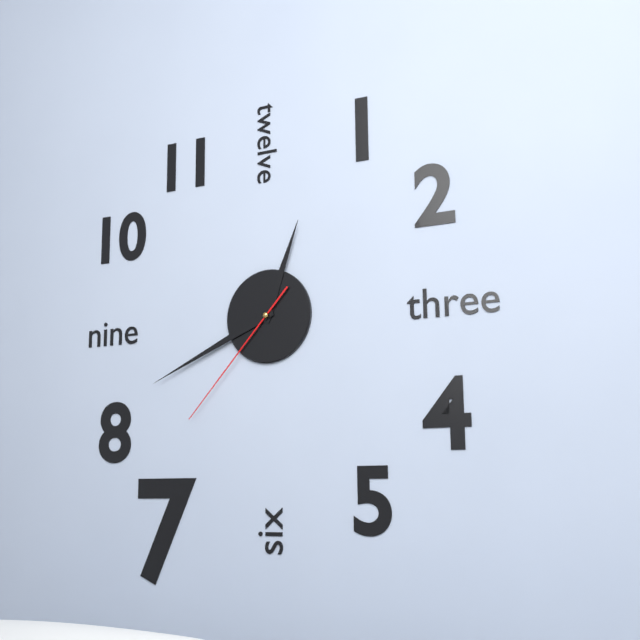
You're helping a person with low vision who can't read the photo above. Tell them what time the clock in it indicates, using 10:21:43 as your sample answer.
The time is 12:41:37
